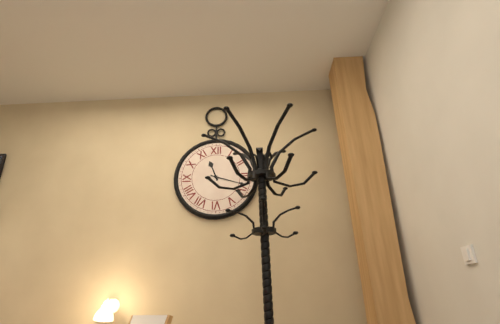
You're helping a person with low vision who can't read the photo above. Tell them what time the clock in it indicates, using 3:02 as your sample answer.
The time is 11:18
